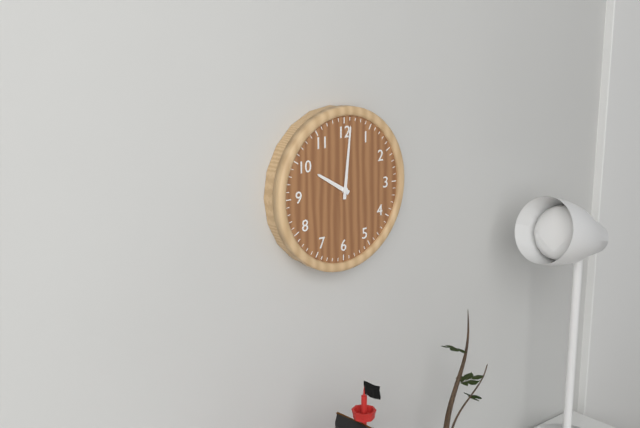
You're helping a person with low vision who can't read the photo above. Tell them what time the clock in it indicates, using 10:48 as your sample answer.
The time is 10:01
